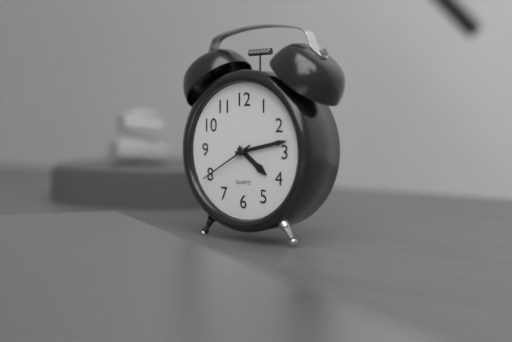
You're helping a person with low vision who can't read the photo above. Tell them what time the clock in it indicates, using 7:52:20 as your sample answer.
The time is 4:13:40
